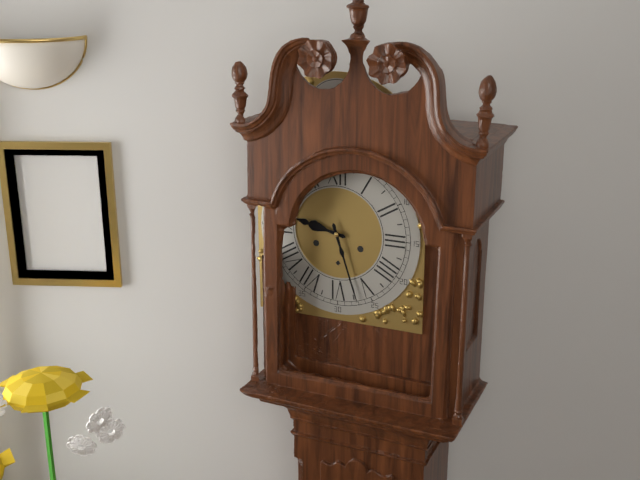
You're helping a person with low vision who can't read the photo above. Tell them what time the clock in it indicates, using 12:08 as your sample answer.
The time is 9:27
